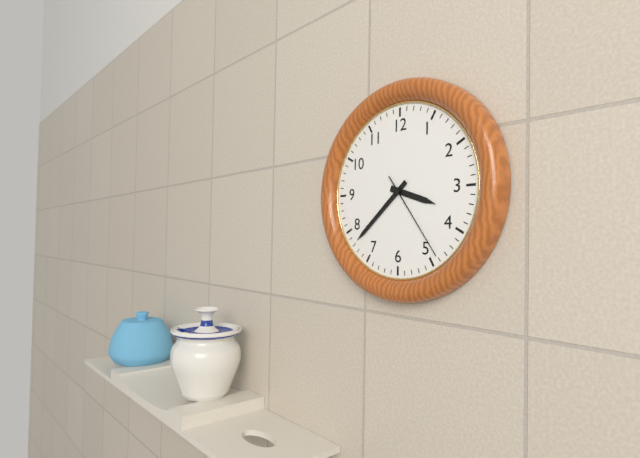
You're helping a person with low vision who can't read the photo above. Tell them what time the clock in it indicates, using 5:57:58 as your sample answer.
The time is 3:38:24
